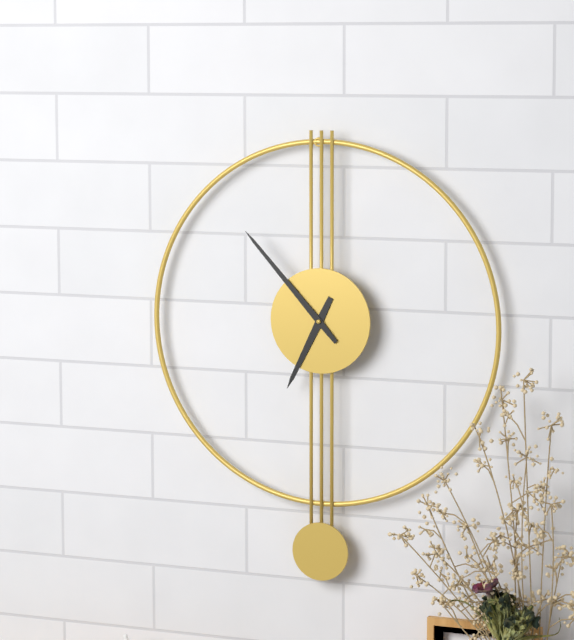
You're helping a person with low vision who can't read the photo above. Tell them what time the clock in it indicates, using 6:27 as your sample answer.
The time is 6:53
